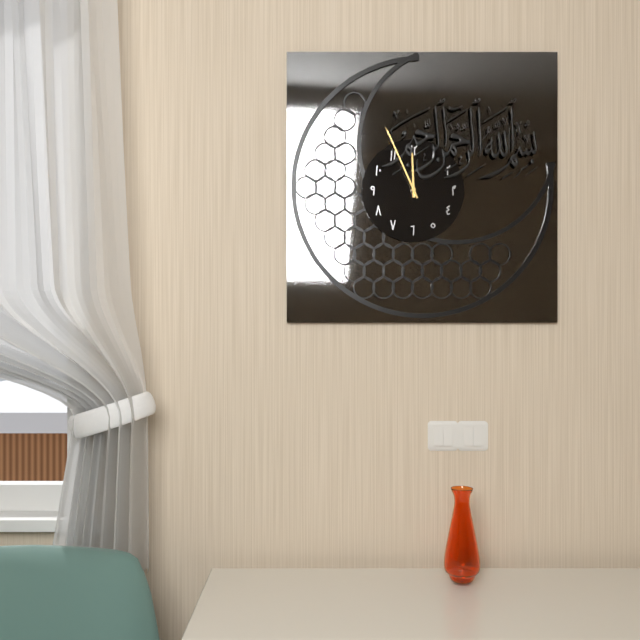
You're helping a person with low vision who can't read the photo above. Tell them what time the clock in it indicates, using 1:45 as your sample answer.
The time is 11:56
